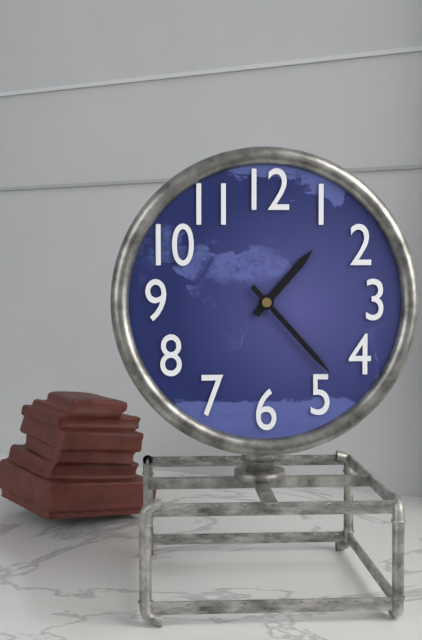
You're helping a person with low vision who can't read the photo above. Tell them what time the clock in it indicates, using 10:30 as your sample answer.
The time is 1:23
